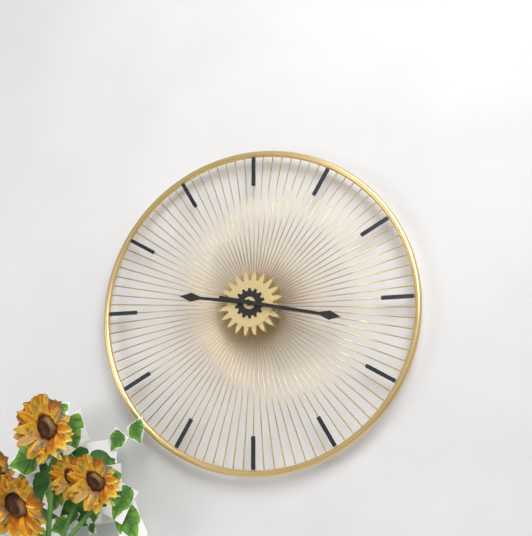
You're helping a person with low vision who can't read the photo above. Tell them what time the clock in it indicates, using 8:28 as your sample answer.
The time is 9:17
